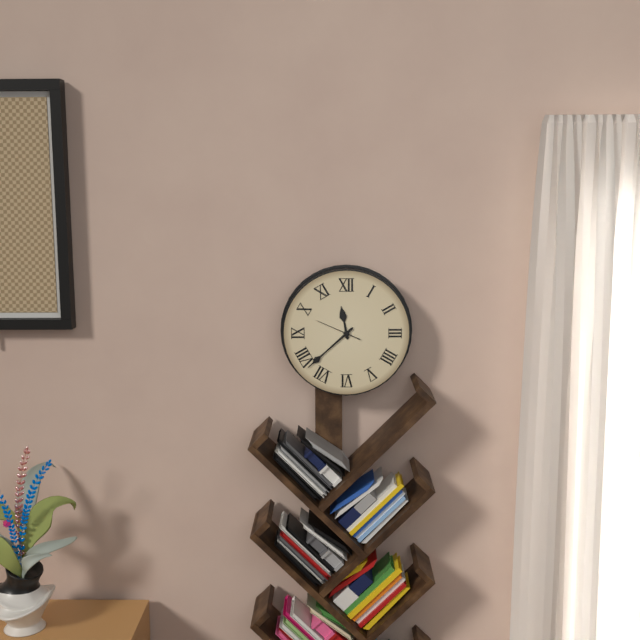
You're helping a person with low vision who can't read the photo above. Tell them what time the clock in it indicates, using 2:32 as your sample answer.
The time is 11:38
